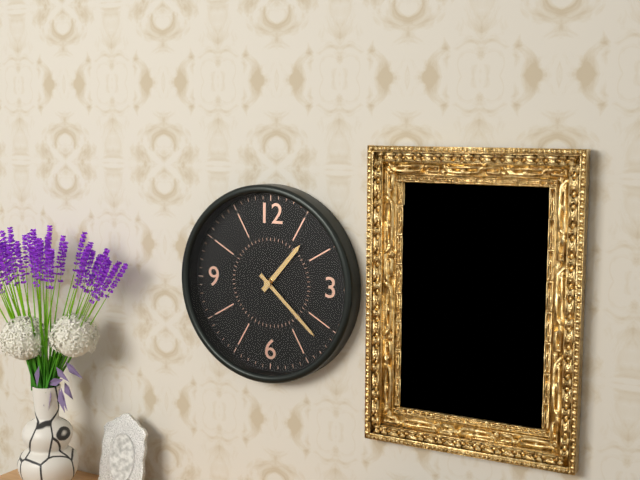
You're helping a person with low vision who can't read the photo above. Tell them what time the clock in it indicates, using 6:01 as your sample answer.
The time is 1:22
